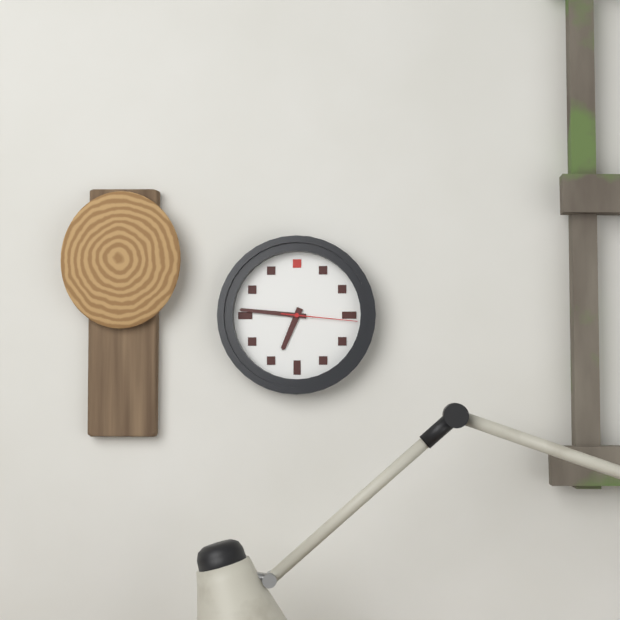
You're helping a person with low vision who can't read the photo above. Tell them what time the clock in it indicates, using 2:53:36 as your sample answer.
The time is 6:46:16
